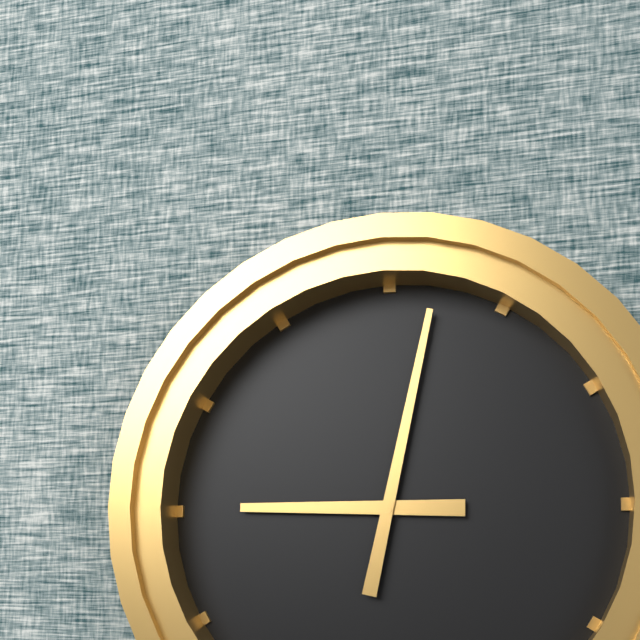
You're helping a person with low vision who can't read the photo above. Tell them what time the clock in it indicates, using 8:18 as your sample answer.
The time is 9:02
